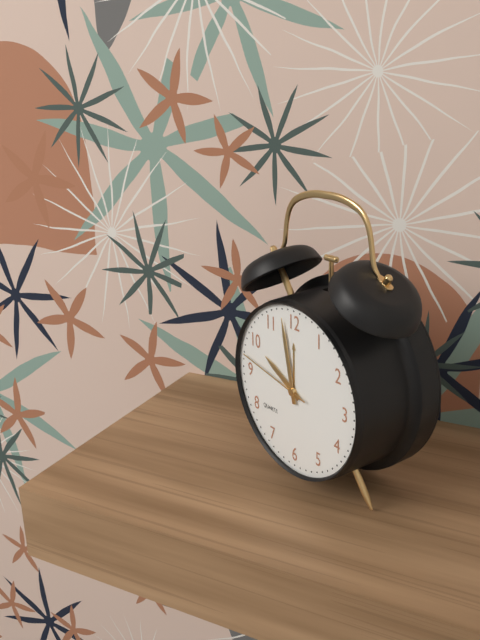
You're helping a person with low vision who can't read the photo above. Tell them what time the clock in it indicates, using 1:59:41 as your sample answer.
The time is 9:58:47
